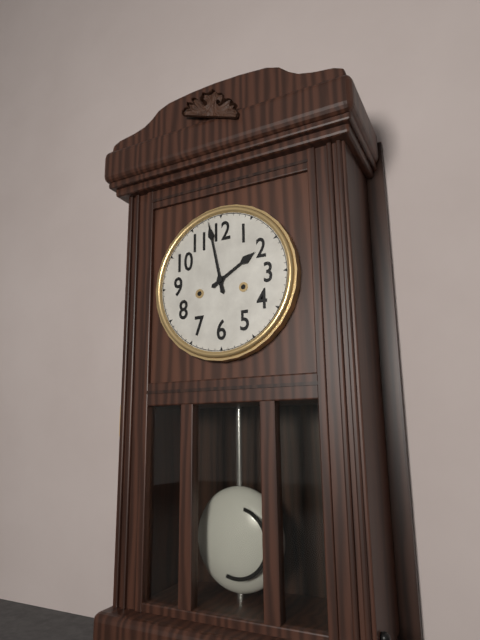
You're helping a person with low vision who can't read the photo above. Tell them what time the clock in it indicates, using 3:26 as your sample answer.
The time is 1:58
